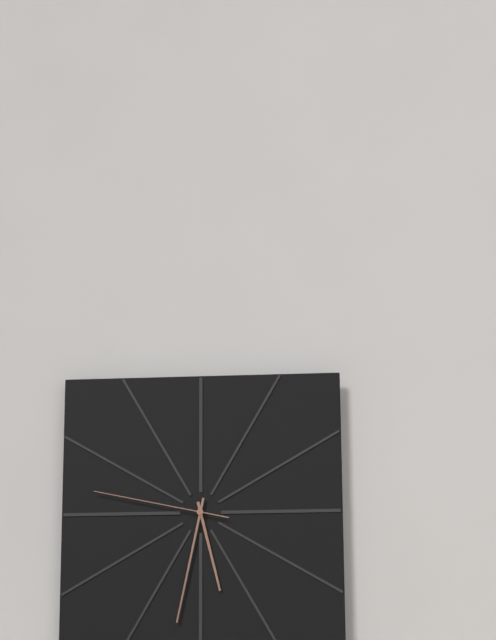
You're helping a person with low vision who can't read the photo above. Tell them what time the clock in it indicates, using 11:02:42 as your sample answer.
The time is 5:32:47
